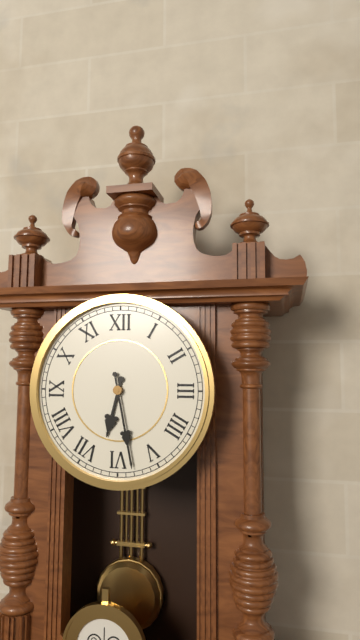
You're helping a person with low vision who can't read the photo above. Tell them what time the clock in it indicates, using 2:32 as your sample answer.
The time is 6:28
